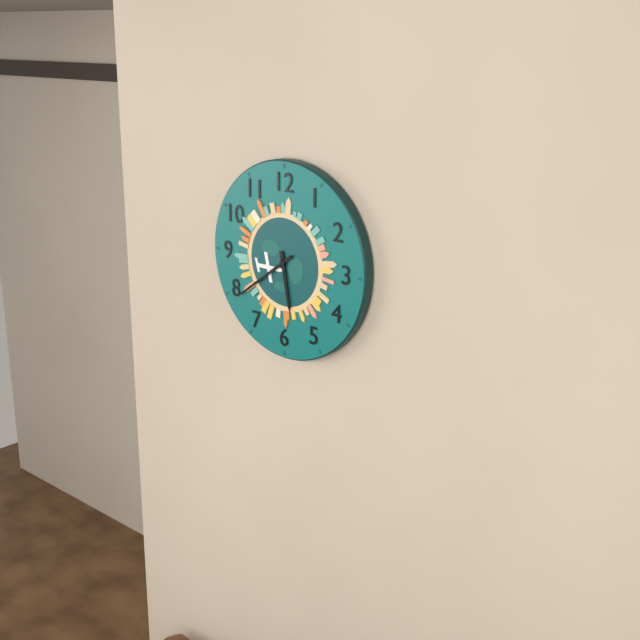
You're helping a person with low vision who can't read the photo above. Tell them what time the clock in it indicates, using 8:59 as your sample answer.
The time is 5:39
